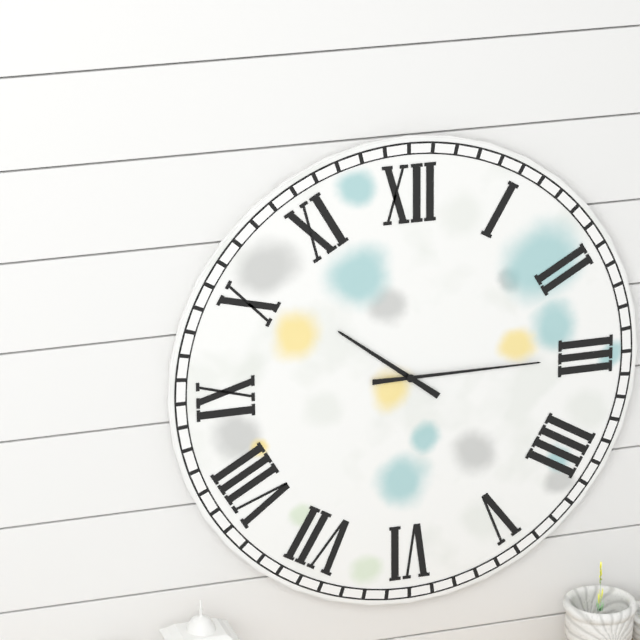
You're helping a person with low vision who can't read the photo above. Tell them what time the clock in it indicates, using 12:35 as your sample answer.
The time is 10:15
